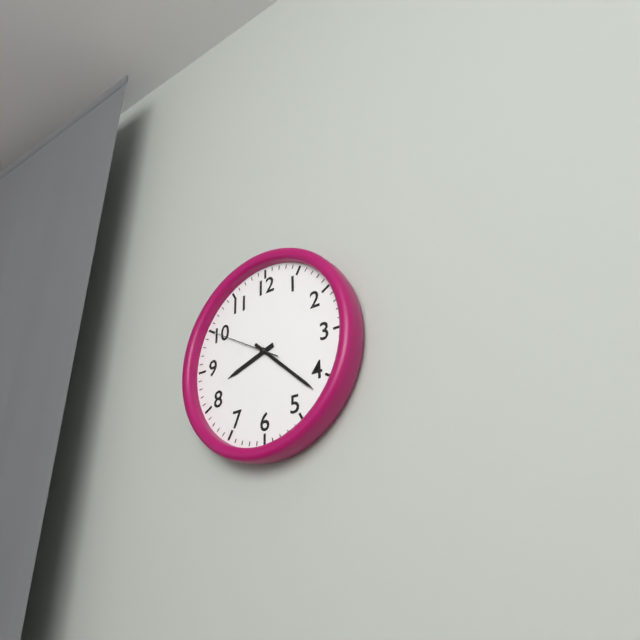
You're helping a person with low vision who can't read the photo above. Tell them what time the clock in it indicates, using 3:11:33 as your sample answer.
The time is 8:22:50
